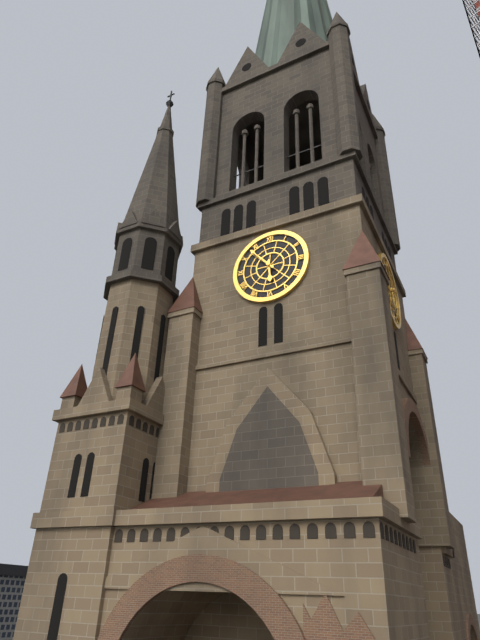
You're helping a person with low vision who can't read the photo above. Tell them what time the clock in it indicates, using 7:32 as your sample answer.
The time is 5:53
